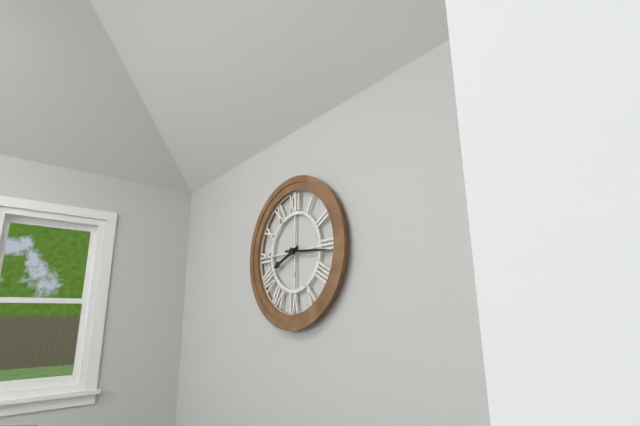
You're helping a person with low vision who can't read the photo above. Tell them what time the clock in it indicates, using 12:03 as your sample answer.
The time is 8:16
